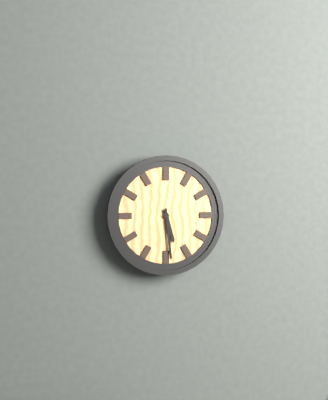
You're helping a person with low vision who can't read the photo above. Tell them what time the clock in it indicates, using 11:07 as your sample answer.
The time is 5:29
